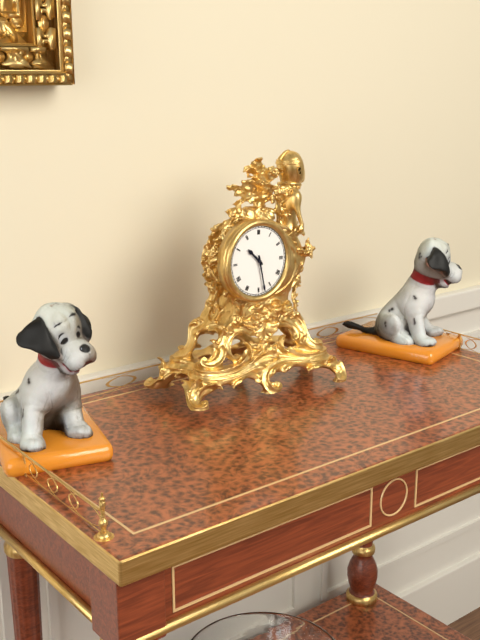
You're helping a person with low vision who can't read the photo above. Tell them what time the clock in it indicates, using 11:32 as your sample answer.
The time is 10:28
